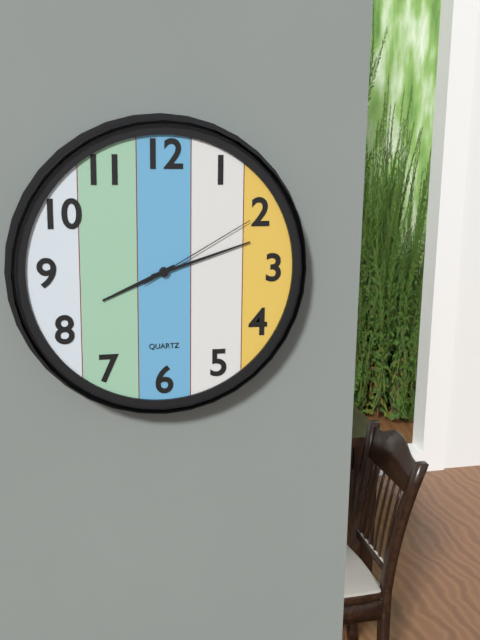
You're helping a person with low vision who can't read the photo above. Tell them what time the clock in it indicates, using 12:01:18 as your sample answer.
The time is 8:12:10
